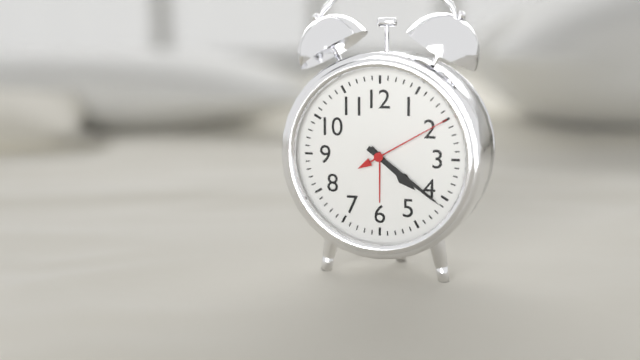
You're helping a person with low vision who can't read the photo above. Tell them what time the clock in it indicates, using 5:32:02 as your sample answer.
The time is 4:21:10
